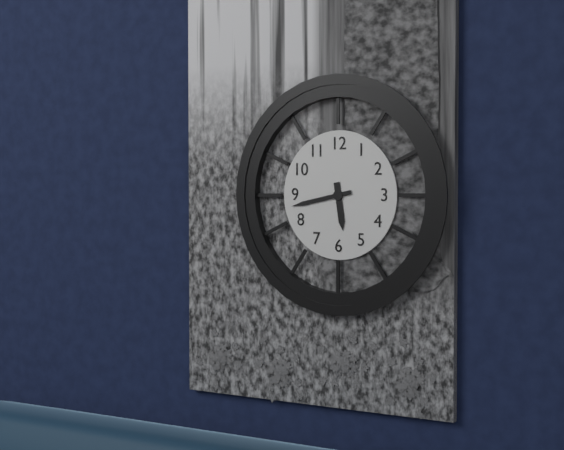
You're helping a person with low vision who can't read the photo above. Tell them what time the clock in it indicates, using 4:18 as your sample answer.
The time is 5:43
